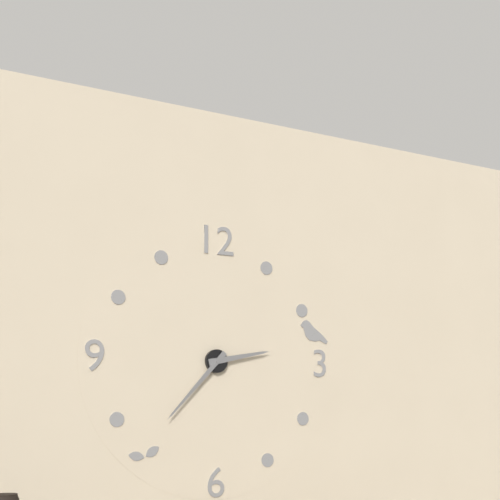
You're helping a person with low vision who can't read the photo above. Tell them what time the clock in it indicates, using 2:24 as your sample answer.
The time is 2:37
